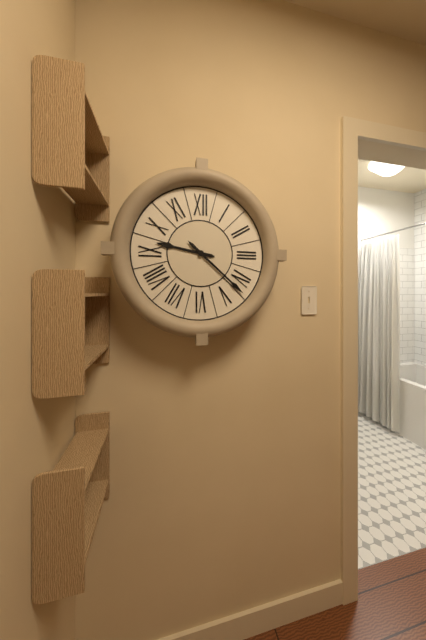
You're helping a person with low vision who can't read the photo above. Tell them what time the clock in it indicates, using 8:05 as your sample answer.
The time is 9:22
